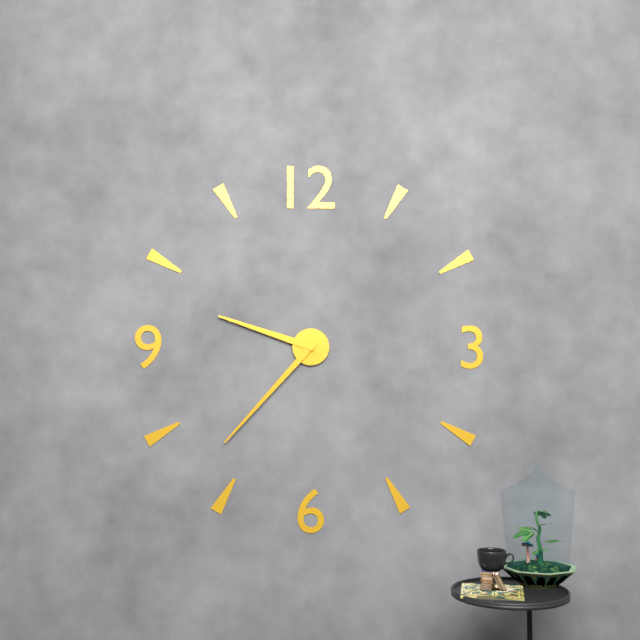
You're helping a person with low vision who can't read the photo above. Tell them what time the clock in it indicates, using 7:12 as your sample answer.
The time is 9:37
